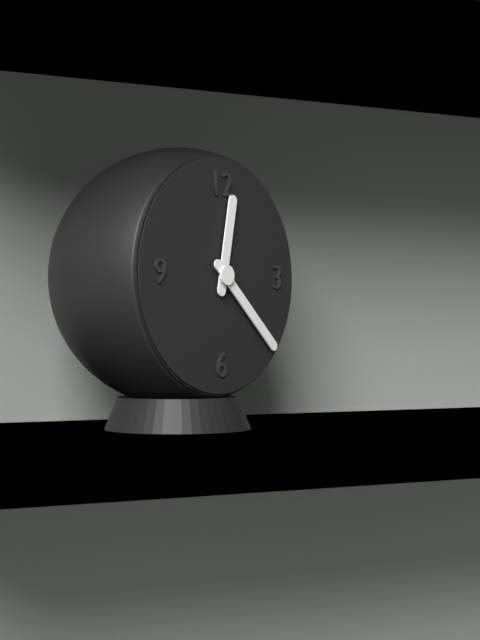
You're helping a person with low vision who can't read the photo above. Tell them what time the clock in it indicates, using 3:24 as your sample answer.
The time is 12:22
